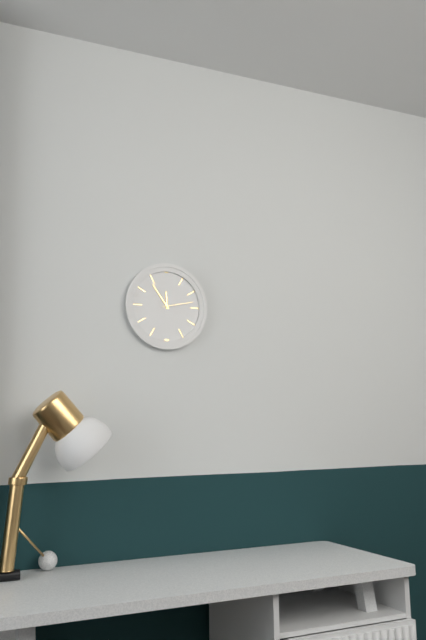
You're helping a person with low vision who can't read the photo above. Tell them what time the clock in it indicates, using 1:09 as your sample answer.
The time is 11:54
